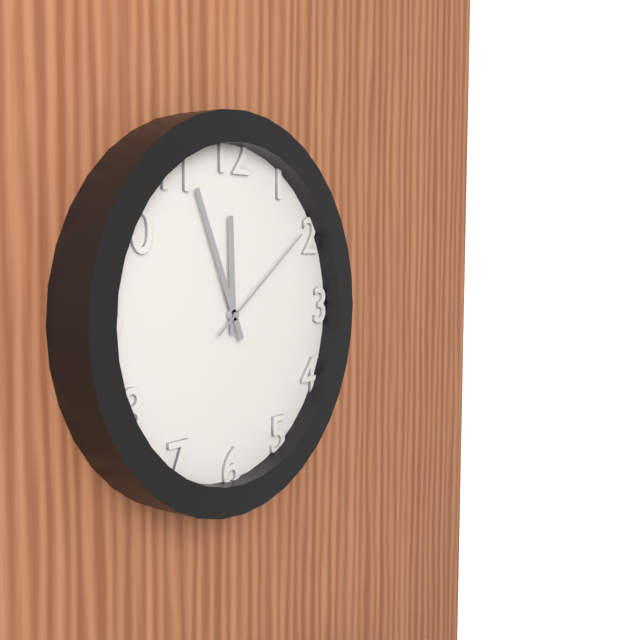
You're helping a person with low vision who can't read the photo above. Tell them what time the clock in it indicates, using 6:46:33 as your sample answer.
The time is 11:56:09
